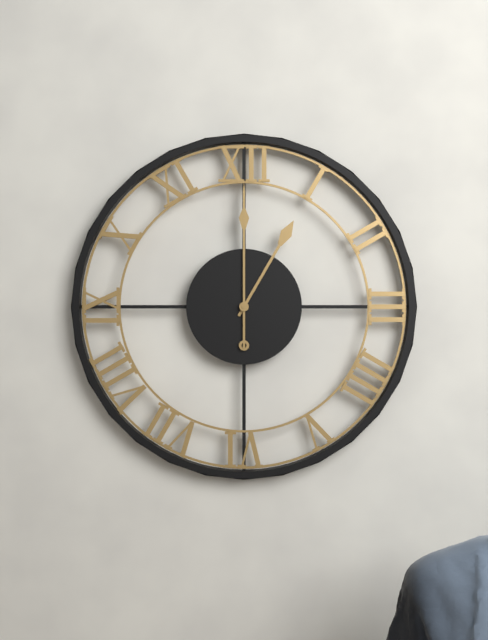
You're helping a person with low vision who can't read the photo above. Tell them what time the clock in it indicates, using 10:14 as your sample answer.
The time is 1:00
